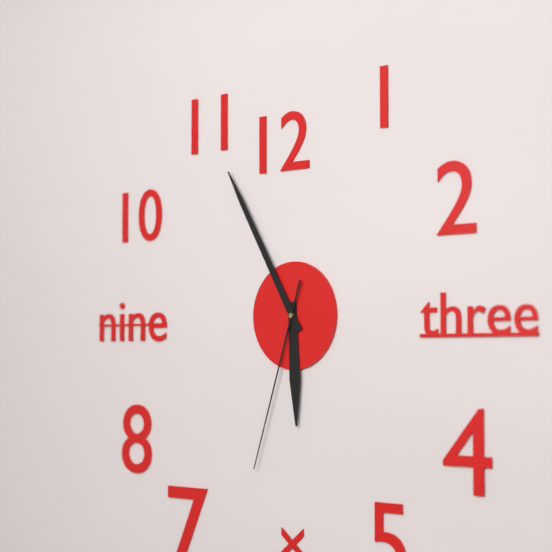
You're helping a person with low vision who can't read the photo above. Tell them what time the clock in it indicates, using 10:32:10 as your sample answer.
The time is 5:55:33
